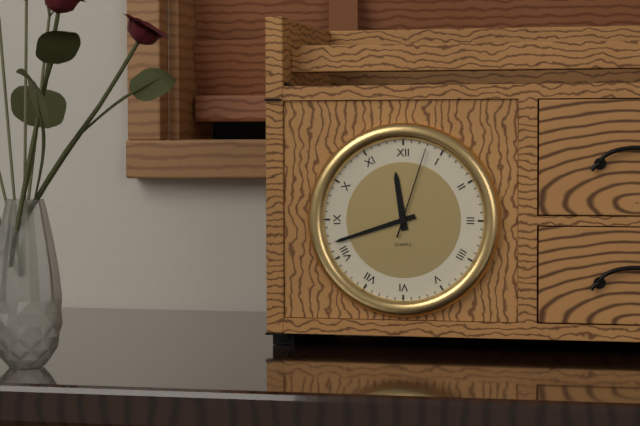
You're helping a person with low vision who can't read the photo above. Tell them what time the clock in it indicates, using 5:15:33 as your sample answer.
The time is 11:42:03
